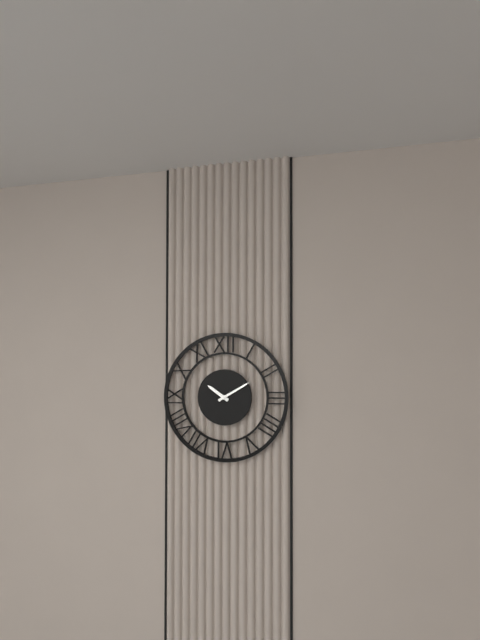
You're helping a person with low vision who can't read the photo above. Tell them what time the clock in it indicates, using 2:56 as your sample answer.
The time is 10:10
